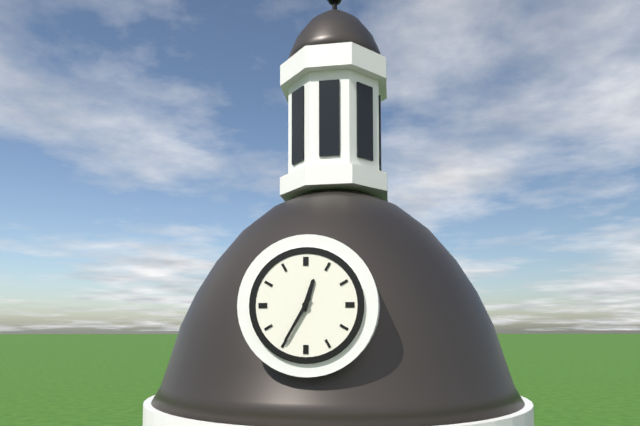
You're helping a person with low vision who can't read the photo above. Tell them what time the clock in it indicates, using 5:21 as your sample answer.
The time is 12:35
